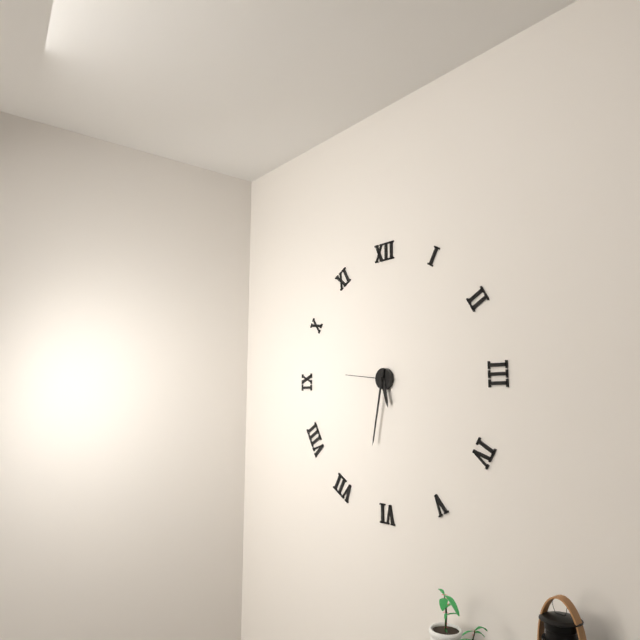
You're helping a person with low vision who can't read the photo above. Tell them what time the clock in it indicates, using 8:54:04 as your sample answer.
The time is 5:32:46
